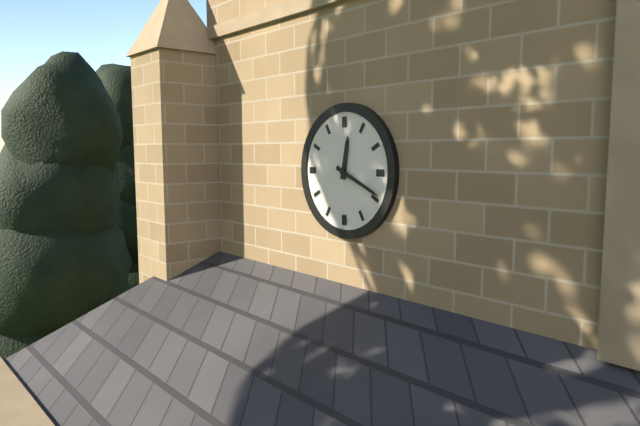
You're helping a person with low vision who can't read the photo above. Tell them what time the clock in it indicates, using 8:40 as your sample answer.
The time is 12:19
